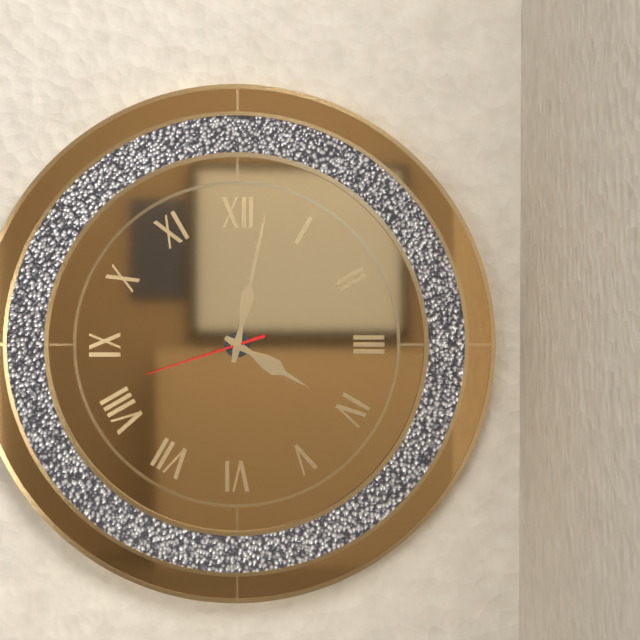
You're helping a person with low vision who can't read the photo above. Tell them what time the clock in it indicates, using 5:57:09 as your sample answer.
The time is 4:02:42
